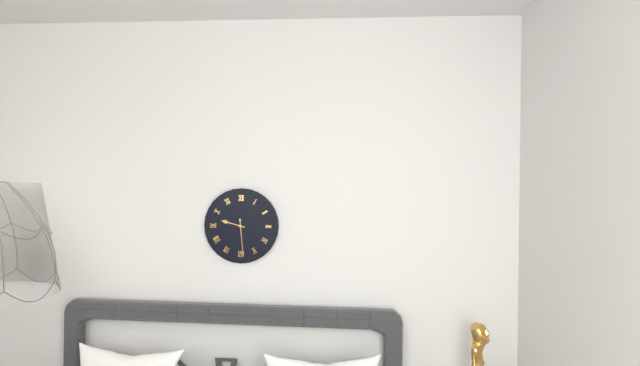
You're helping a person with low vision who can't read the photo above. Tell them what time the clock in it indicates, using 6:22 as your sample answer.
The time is 9:29
